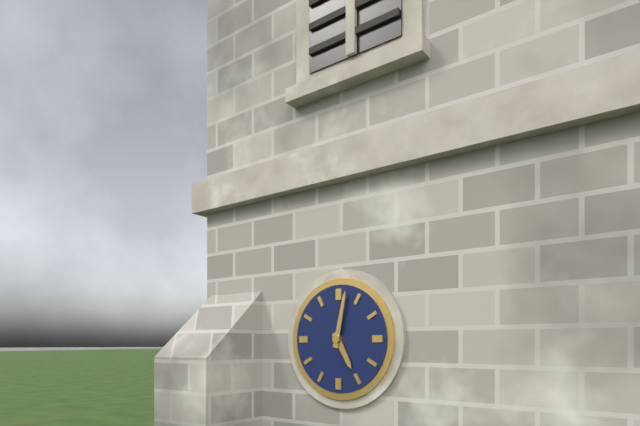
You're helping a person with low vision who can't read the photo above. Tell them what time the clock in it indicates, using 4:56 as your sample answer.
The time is 5:02
